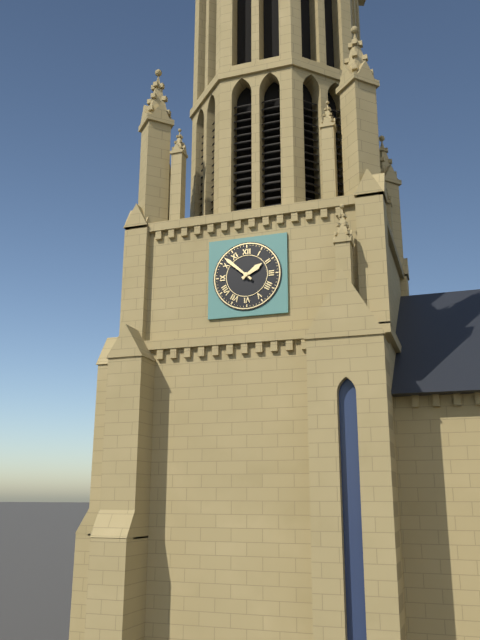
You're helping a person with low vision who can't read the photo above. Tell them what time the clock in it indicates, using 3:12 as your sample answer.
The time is 1:52
